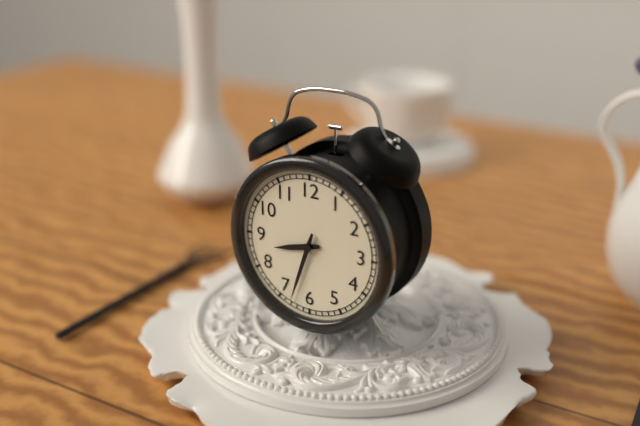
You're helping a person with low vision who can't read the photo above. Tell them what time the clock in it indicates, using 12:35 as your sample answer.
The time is 8:33
